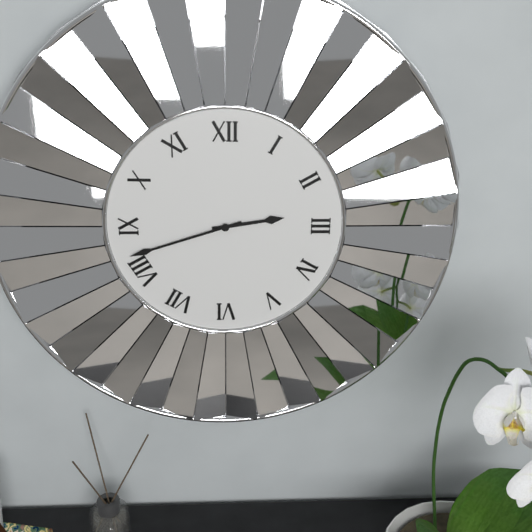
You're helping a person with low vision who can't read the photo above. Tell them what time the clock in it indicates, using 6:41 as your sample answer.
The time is 2:42
